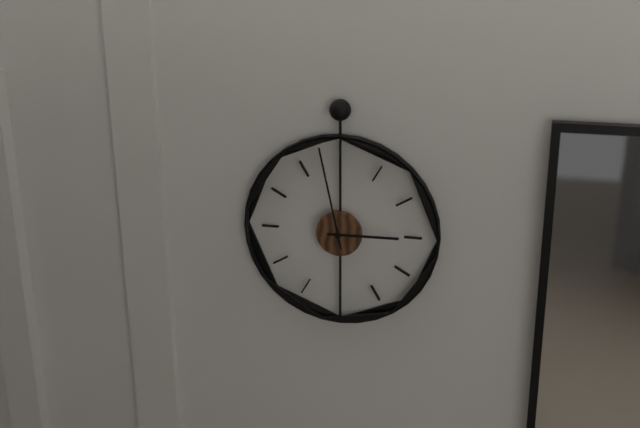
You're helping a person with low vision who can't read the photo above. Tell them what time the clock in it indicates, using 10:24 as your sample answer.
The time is 2:58
